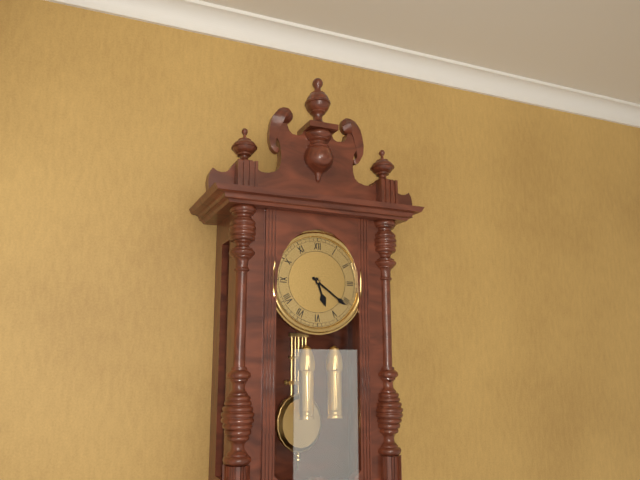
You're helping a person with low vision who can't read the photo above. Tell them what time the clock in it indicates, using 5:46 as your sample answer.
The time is 5:21
